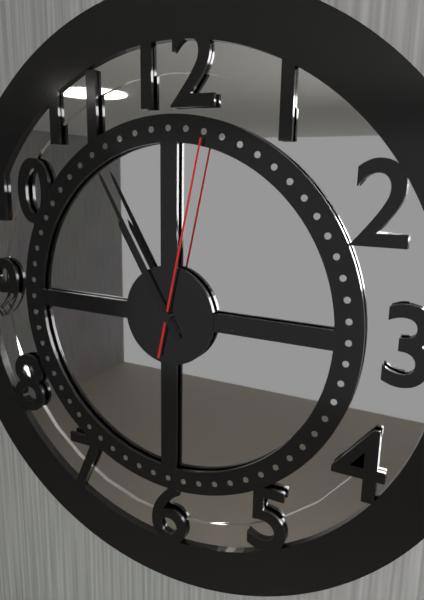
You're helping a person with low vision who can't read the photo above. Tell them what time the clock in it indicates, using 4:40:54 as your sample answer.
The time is 10:55:02
